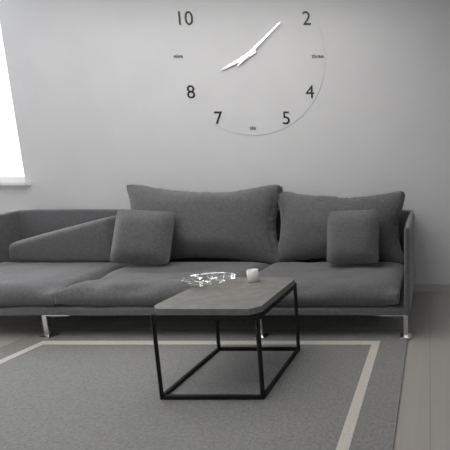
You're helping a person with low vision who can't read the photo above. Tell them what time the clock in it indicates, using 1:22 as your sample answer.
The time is 8:08
